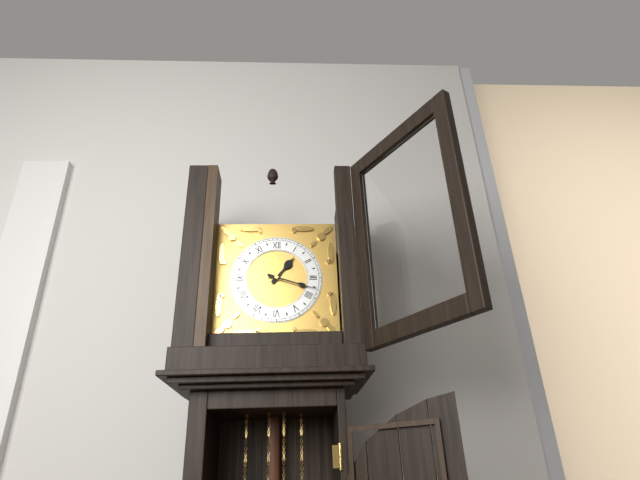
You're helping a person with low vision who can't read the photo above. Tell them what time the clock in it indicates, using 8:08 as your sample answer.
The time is 1:18
